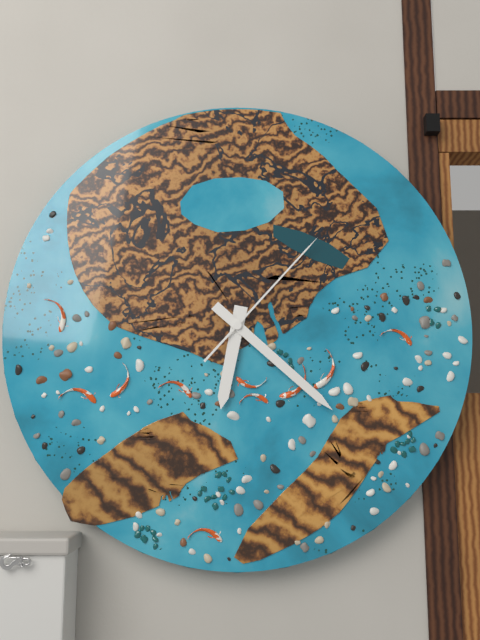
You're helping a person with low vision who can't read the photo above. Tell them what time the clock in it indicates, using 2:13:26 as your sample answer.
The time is 6:22:07
